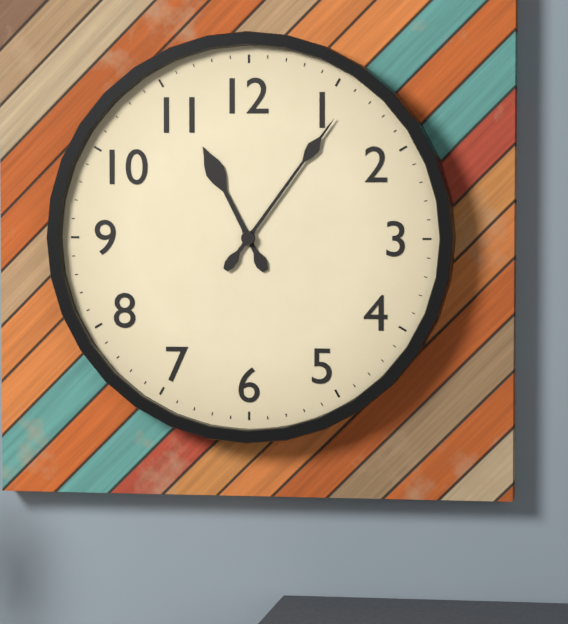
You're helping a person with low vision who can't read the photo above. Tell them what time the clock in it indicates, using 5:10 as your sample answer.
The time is 11:06
